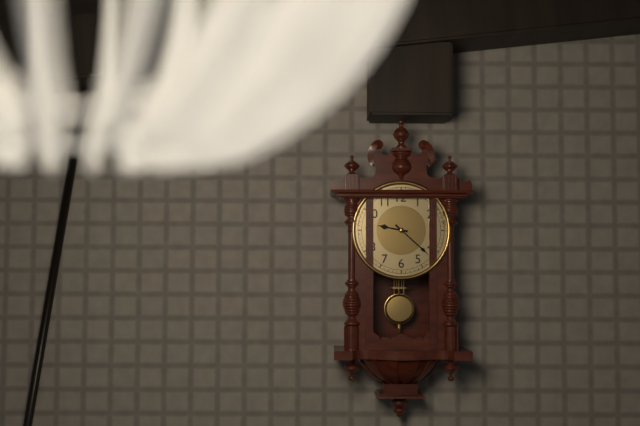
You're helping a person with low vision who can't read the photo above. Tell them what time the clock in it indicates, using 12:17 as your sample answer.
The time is 9:22
